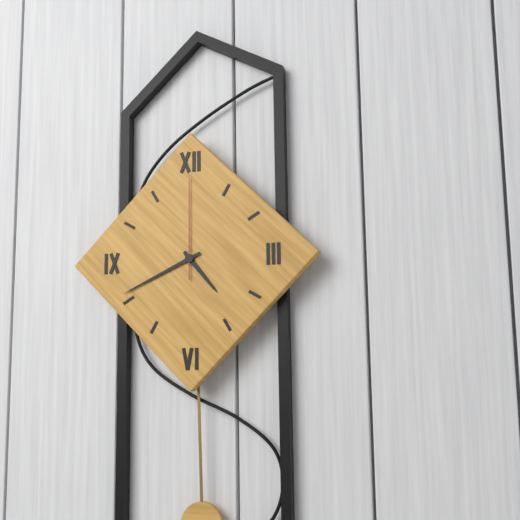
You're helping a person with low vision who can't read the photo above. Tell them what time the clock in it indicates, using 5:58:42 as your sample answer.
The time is 4:41:00
